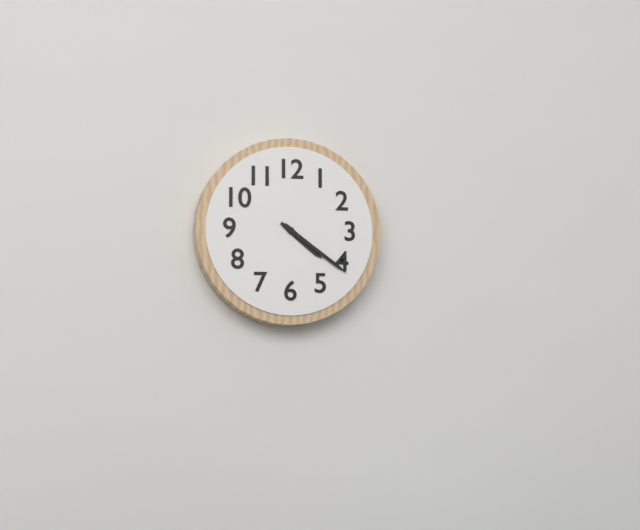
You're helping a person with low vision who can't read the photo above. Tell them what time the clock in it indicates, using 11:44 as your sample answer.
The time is 4:21
